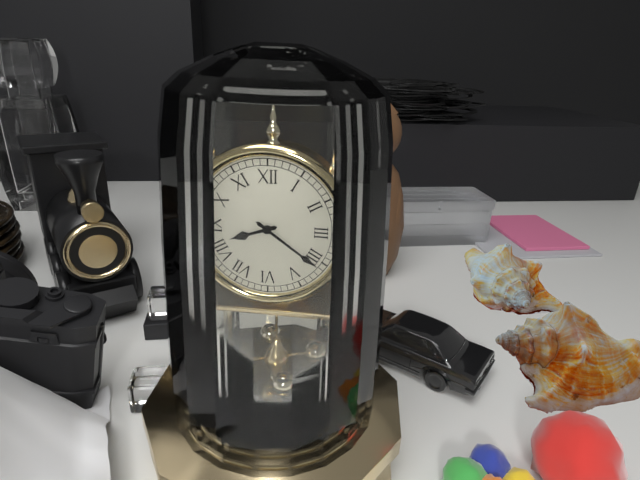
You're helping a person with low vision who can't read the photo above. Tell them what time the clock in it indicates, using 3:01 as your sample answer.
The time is 8:21
